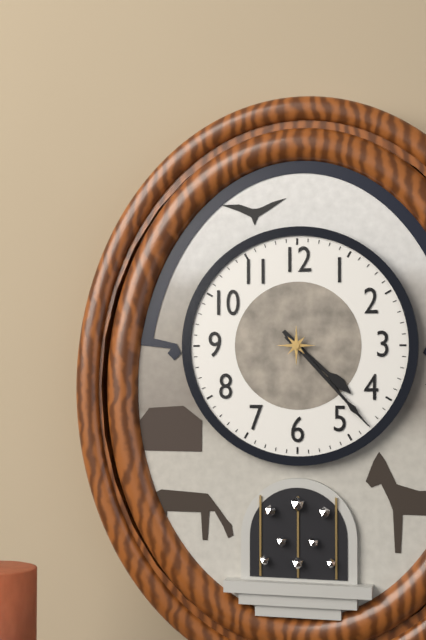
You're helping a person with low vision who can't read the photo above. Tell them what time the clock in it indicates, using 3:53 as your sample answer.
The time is 4:23
